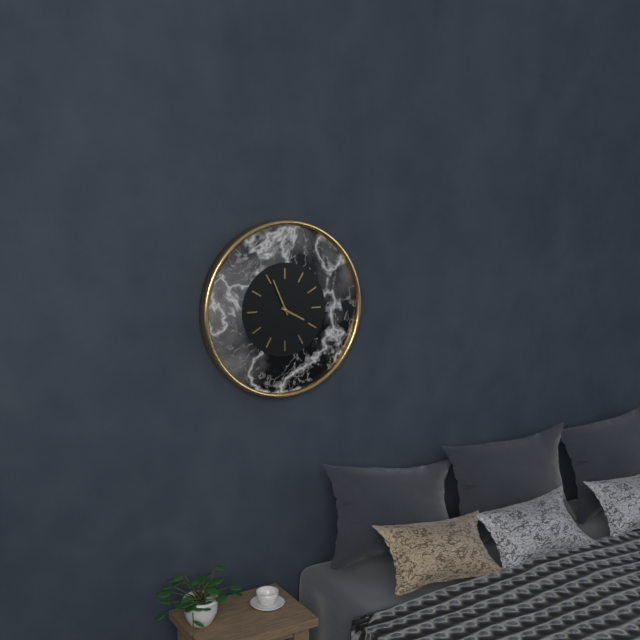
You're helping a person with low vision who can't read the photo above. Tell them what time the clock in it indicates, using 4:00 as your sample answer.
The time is 3:56
